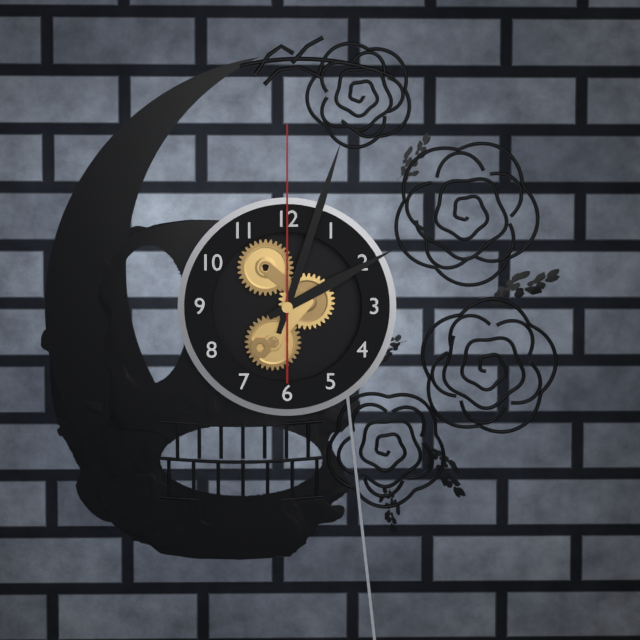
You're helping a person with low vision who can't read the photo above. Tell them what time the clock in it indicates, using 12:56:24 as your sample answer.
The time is 2:03:00
